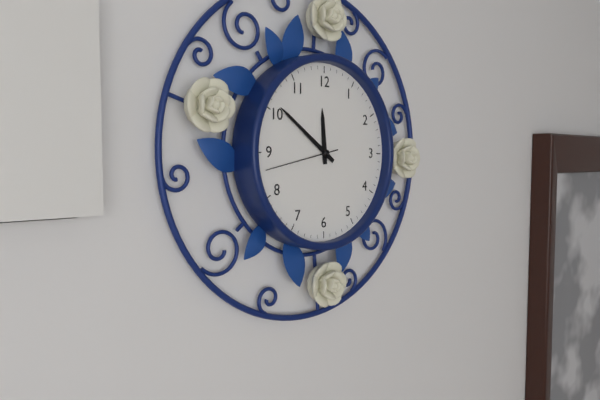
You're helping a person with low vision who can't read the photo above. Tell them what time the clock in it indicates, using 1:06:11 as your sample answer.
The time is 11:51:43
